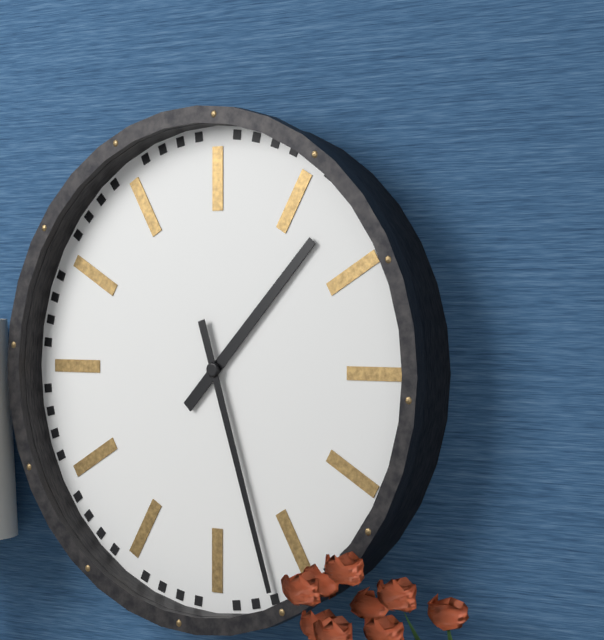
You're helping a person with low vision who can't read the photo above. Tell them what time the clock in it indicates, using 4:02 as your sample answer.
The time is 1:27
